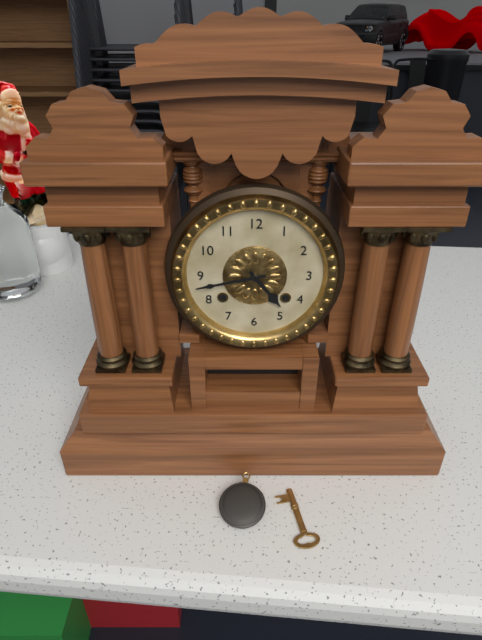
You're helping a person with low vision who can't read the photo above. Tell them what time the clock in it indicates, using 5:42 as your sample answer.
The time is 4:43
